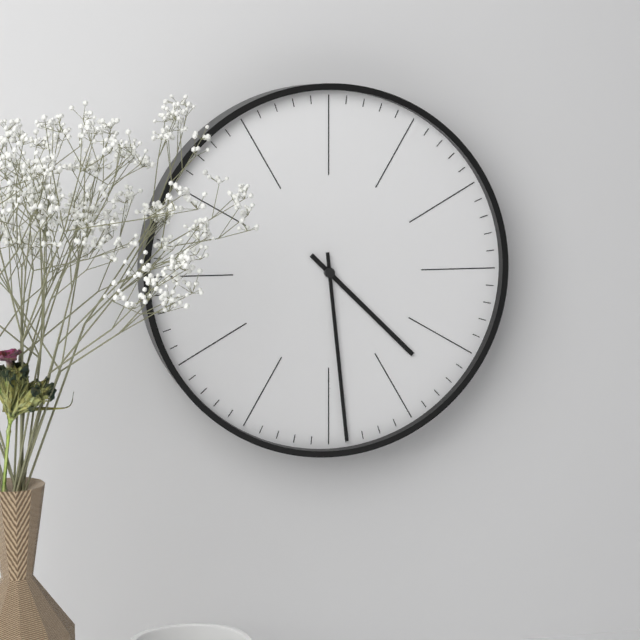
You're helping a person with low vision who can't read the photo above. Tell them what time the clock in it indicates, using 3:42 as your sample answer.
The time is 4:29
